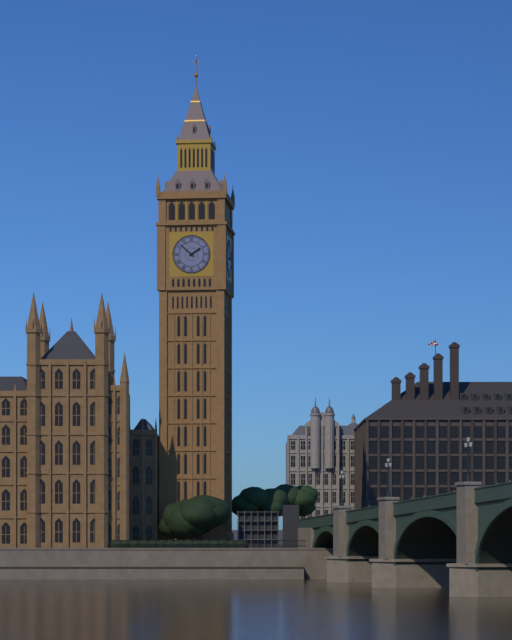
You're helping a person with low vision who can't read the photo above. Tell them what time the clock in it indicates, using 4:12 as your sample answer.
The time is 1:52
